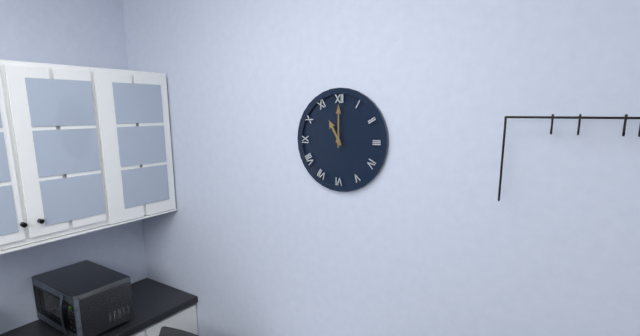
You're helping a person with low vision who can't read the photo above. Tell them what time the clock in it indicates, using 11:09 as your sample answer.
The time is 11:00
